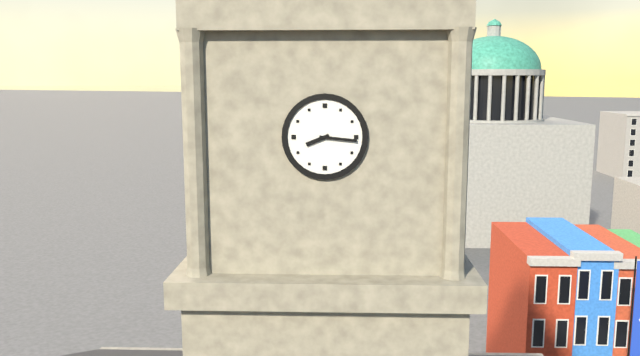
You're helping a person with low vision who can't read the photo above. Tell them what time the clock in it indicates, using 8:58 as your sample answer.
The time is 8:16
